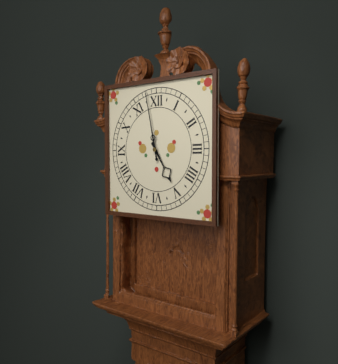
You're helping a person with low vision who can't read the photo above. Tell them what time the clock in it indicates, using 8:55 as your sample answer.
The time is 4:58
